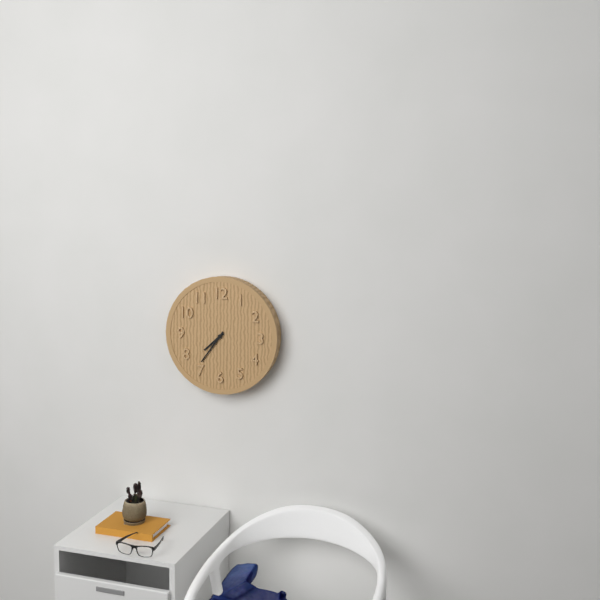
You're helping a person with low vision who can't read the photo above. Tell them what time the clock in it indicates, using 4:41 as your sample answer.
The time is 7:36
